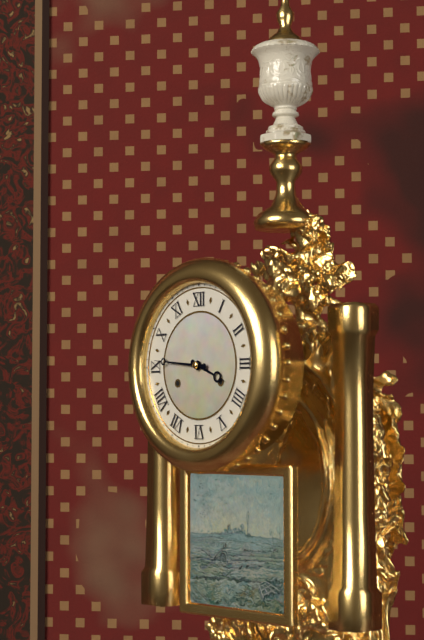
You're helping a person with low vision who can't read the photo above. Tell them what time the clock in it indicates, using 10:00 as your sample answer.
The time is 3:46
